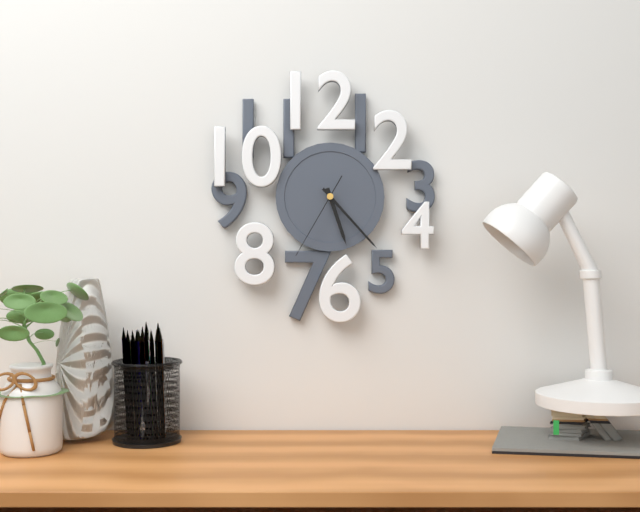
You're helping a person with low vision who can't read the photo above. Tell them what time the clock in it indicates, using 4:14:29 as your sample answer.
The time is 5:23:35
